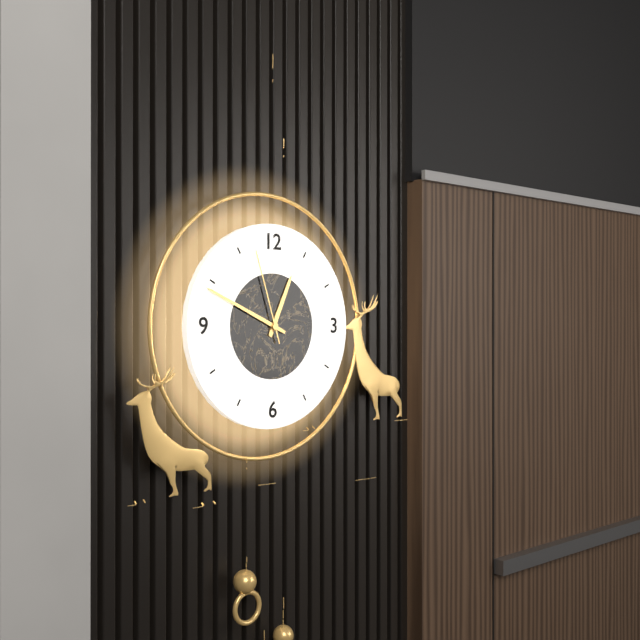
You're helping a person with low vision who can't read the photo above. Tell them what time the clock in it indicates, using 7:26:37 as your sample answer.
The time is 12:49:57
